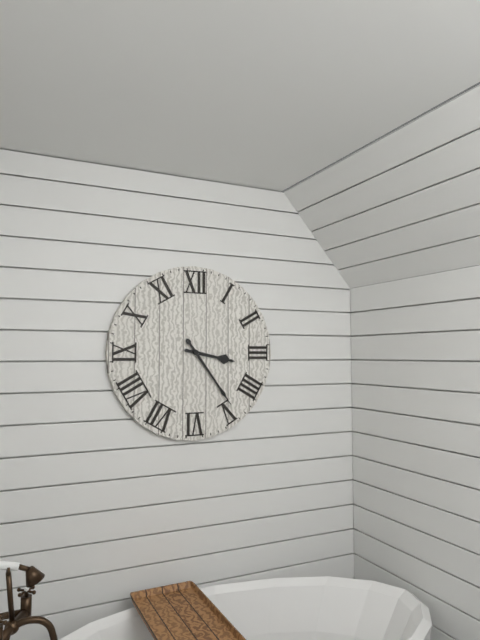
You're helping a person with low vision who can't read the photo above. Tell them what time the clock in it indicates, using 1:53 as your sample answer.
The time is 3:24
